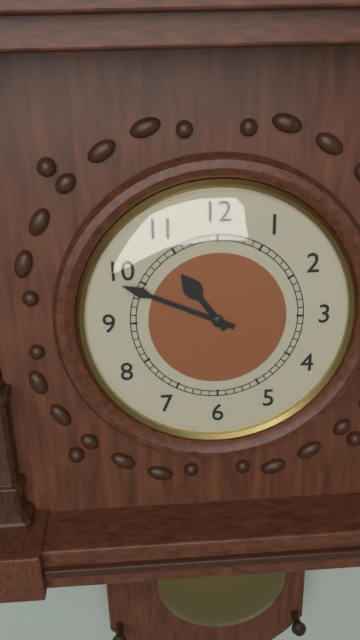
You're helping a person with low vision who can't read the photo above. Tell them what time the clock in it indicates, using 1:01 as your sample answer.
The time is 10:49
